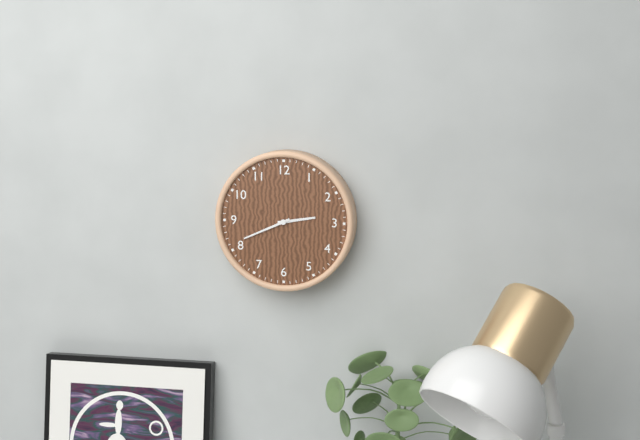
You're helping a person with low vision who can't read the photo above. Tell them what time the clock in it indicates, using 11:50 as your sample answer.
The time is 2:41
